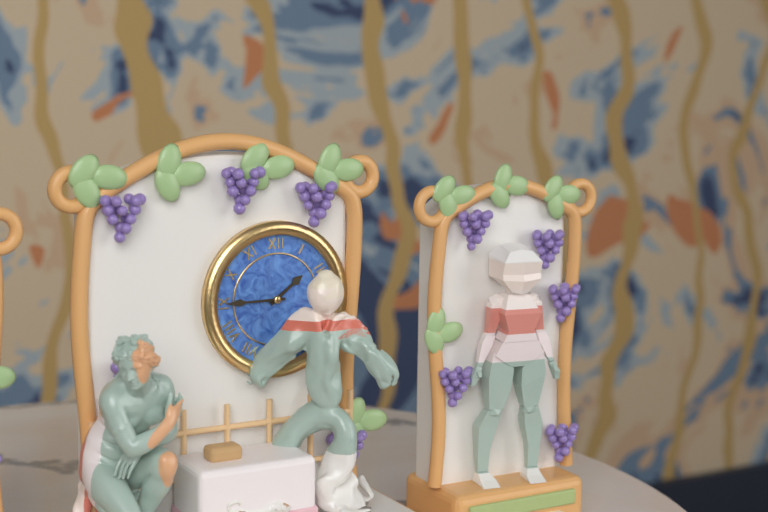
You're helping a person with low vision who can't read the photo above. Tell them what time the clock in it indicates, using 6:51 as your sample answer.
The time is 1:45
